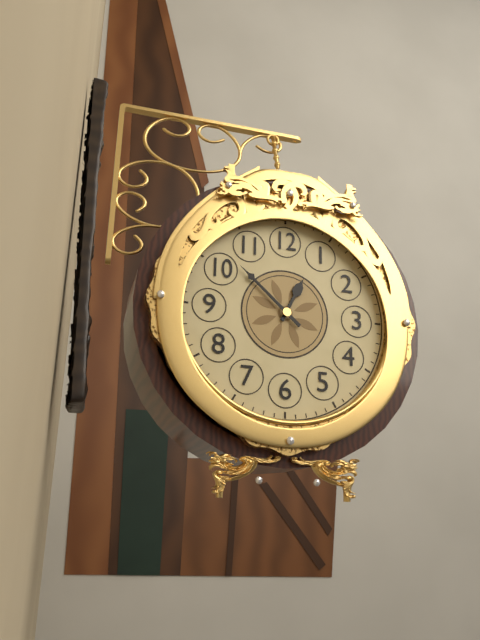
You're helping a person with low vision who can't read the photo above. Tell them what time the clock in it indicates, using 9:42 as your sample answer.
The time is 12:52
